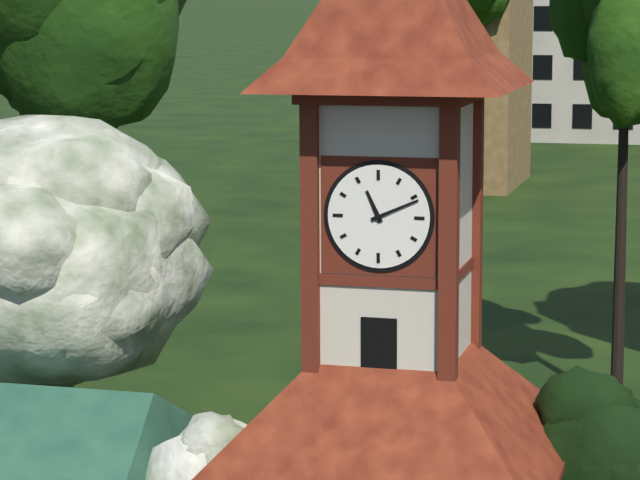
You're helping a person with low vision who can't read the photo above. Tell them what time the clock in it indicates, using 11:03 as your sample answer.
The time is 11:11
